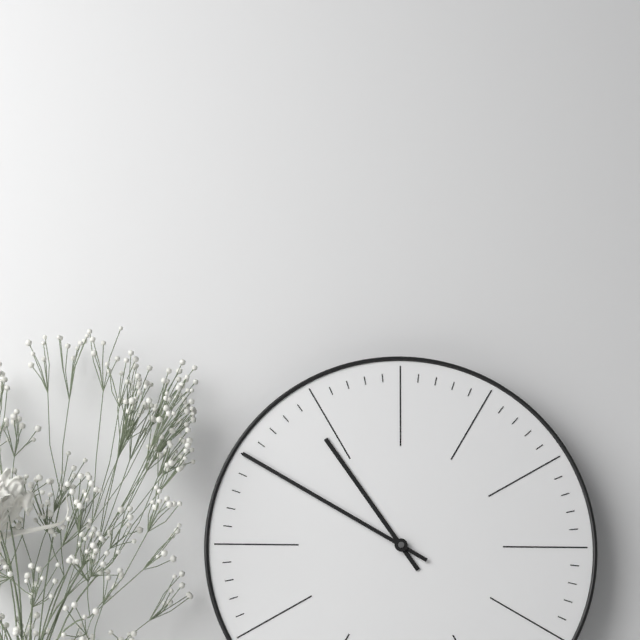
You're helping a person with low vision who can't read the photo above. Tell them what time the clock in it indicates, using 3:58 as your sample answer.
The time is 10:50
